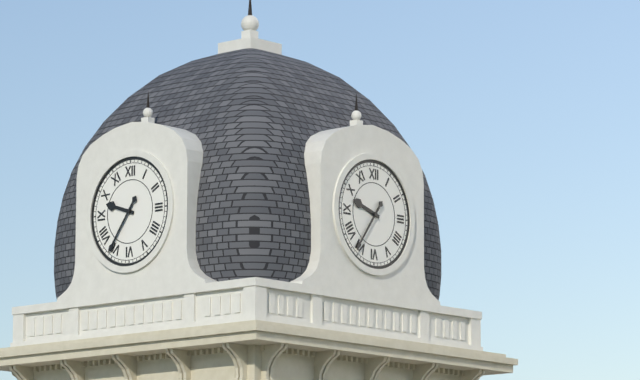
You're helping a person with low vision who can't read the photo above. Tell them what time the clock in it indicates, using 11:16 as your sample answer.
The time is 9:36
